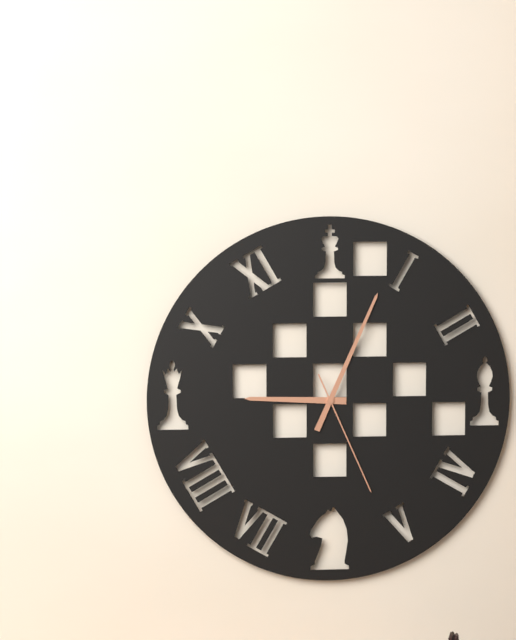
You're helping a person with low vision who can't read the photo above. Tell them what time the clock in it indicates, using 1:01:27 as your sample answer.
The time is 9:04:26
